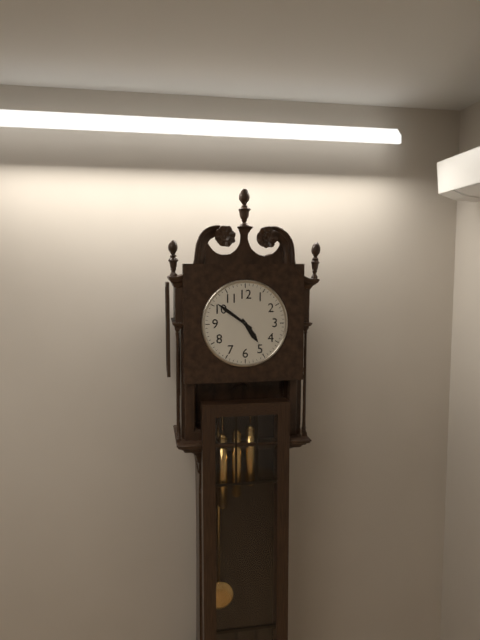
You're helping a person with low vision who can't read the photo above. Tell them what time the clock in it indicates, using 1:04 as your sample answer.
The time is 4:51
